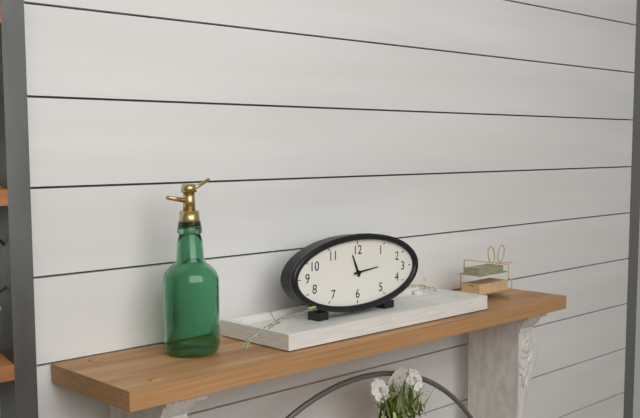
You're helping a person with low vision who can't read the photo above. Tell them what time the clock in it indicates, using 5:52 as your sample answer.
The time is 11:14
